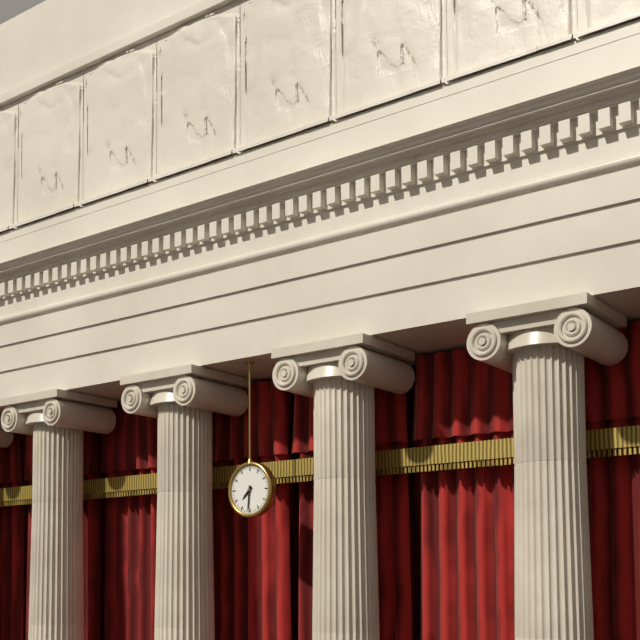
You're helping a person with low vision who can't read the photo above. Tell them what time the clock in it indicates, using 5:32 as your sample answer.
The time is 7:31
